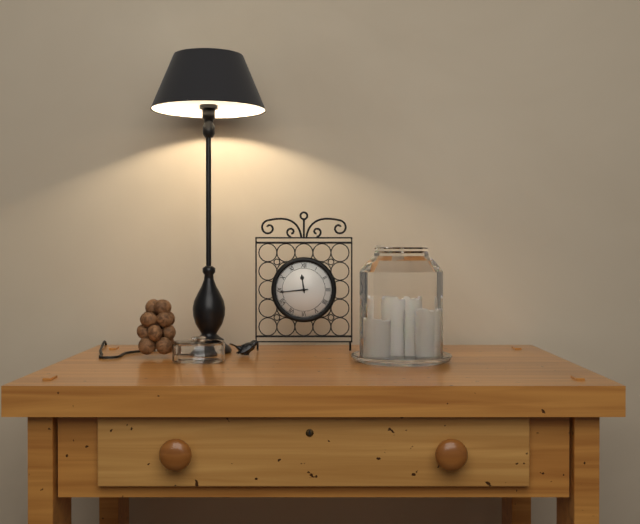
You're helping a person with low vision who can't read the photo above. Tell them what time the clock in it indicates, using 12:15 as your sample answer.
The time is 11:44
